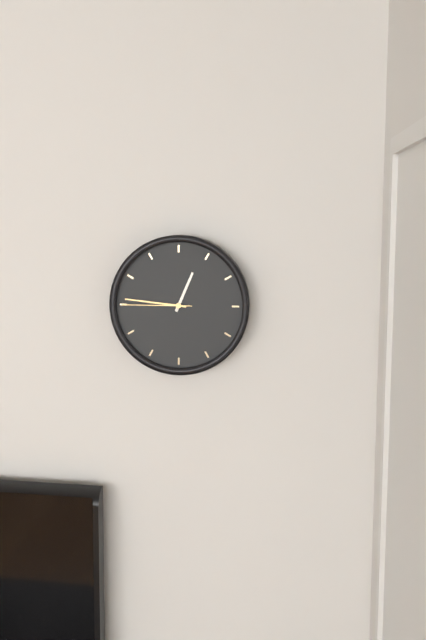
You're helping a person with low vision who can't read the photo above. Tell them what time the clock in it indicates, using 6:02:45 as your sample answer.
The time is 12:46:45
